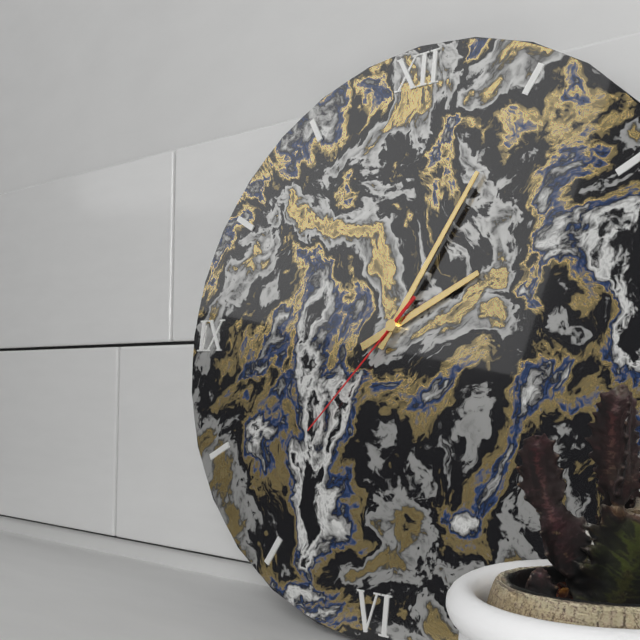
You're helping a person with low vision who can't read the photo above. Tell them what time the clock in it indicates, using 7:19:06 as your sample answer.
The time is 2:05:37
